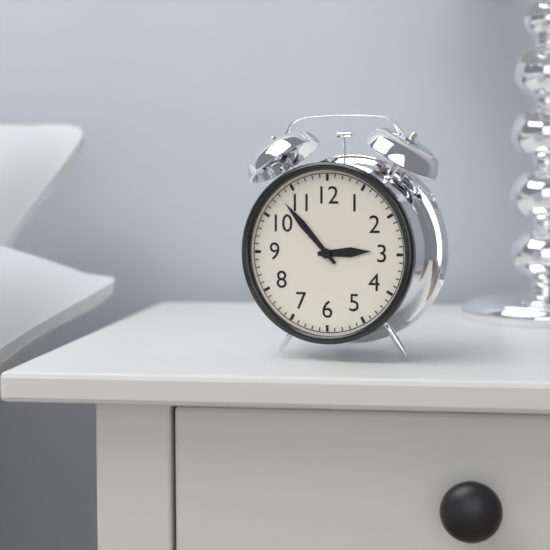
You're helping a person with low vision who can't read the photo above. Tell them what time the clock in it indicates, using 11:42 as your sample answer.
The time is 2:53
